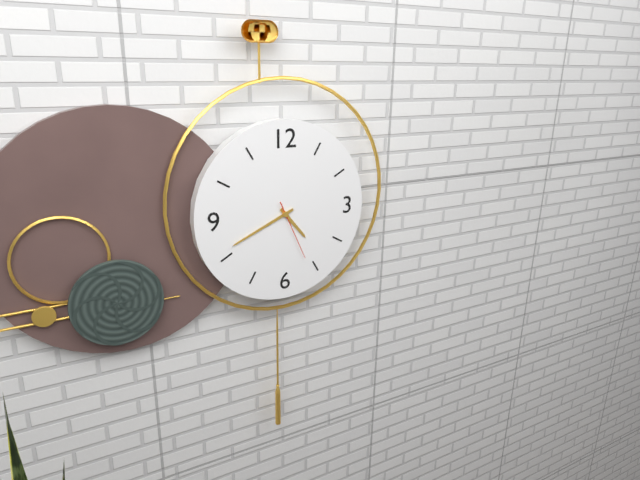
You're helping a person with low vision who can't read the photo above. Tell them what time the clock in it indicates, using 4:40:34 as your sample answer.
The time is 4:41:26
